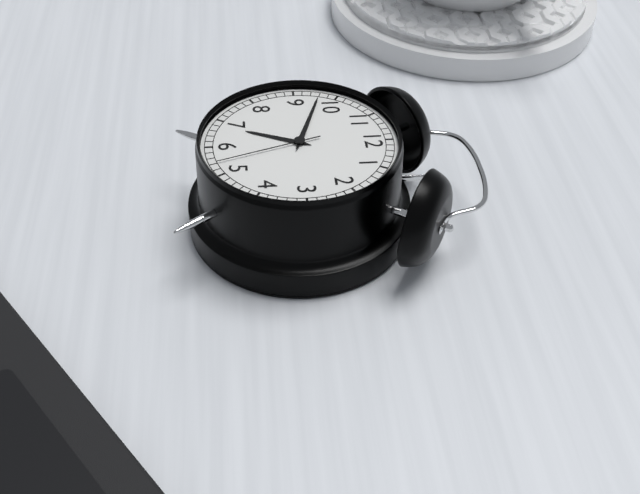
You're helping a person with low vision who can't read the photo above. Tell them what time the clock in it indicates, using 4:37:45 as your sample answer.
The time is 6:48:27
